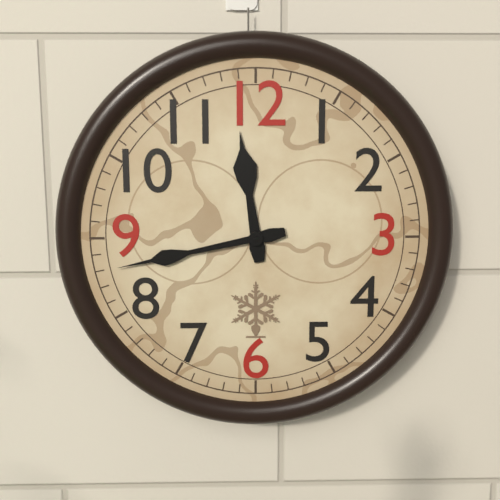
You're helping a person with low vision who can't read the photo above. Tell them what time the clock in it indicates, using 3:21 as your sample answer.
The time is 11:43
